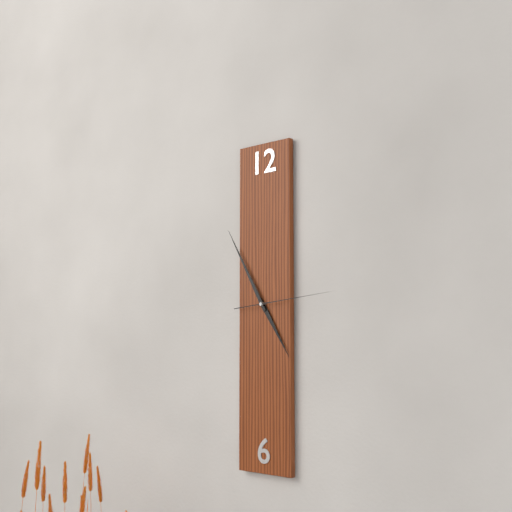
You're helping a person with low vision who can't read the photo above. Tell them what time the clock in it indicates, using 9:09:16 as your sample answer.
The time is 4:55:14
